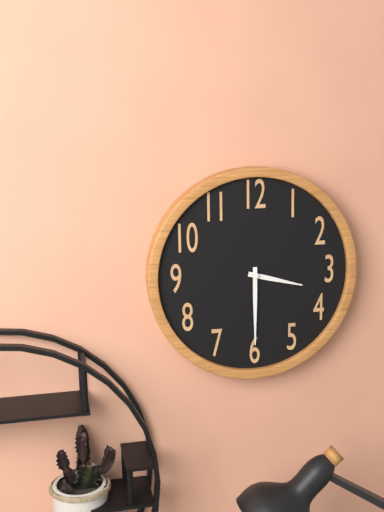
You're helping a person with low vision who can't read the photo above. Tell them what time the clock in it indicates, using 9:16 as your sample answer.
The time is 3:30
